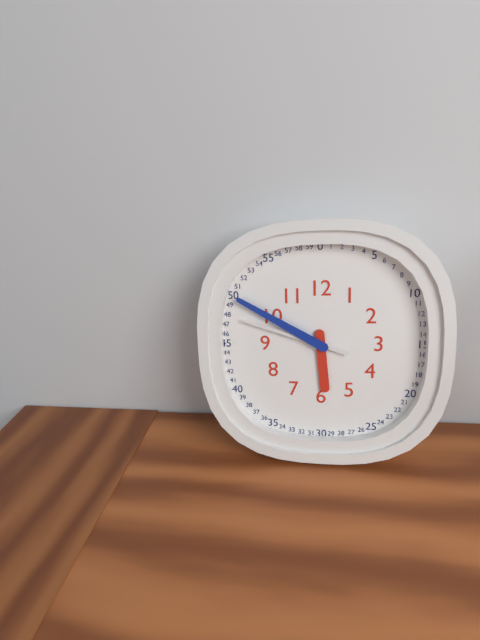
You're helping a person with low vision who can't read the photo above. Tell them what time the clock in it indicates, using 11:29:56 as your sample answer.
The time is 5:50:48
